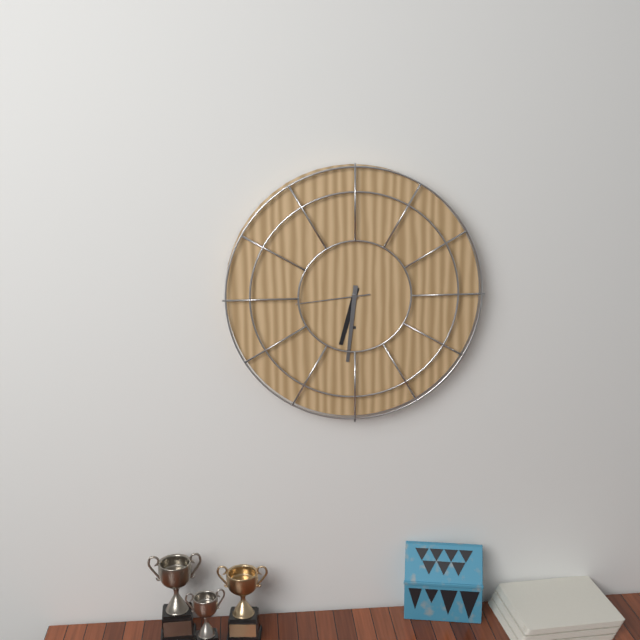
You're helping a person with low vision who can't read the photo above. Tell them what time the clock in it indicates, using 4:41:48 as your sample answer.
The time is 6:31:44
